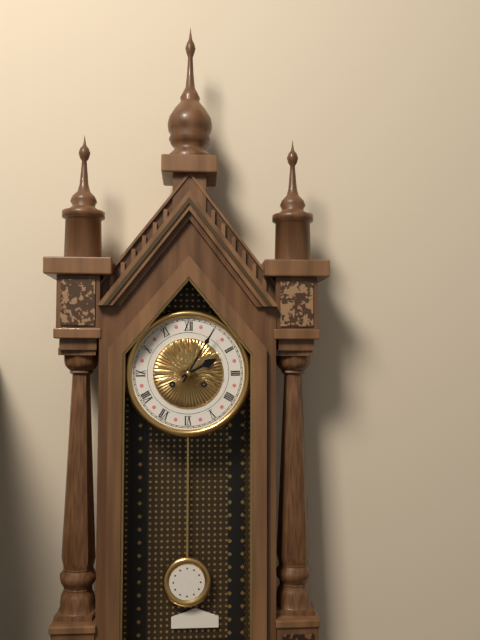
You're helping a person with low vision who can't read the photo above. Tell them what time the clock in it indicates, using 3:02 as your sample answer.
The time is 2:05
